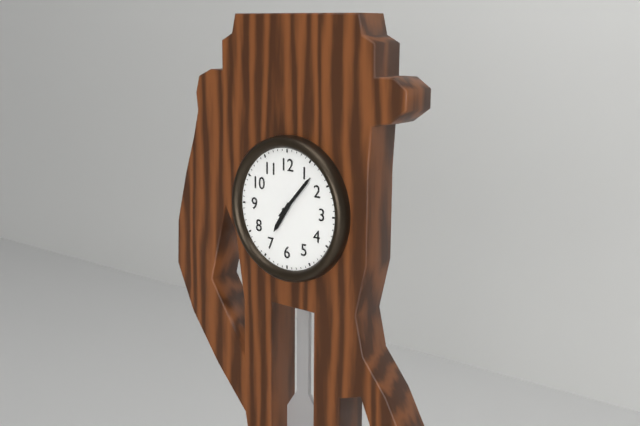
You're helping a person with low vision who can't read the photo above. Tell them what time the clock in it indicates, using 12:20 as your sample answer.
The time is 7:07
